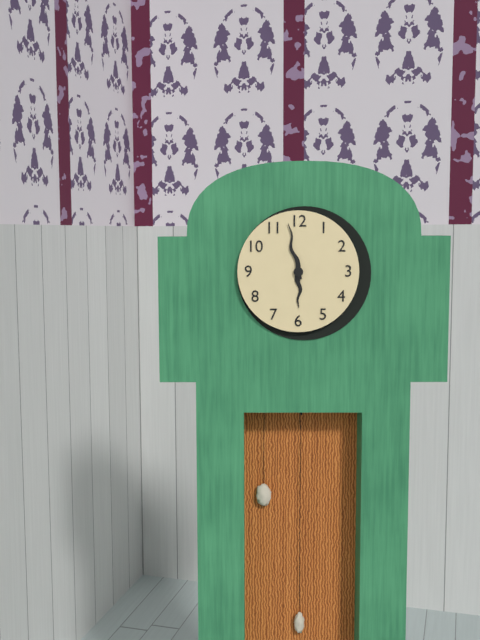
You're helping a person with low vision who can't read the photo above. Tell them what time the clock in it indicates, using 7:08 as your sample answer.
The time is 5:58
